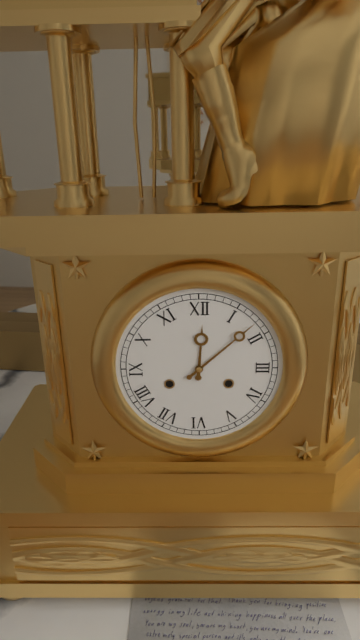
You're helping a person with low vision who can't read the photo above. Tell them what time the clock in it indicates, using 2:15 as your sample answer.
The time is 12:08
